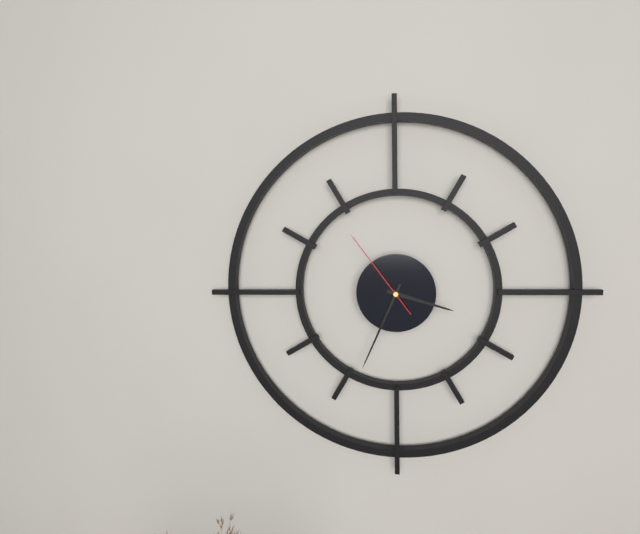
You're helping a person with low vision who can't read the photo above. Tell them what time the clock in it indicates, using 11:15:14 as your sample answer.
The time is 3:34:54
